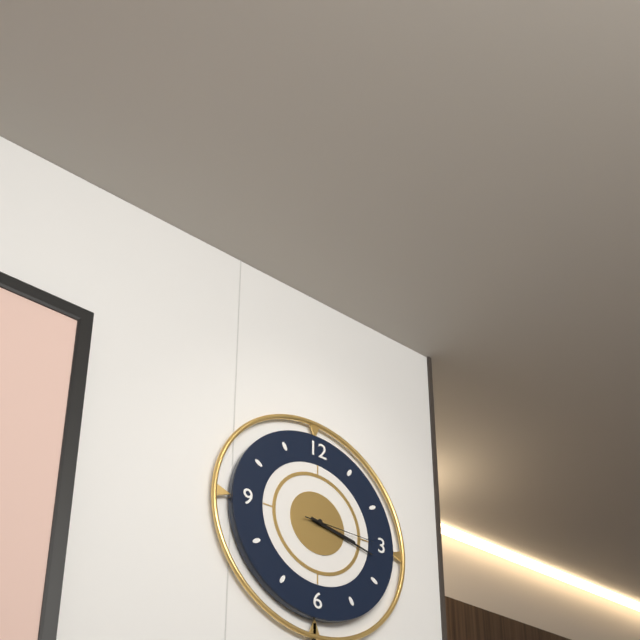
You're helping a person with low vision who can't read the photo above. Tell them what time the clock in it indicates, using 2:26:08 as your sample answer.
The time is 3:17:15
